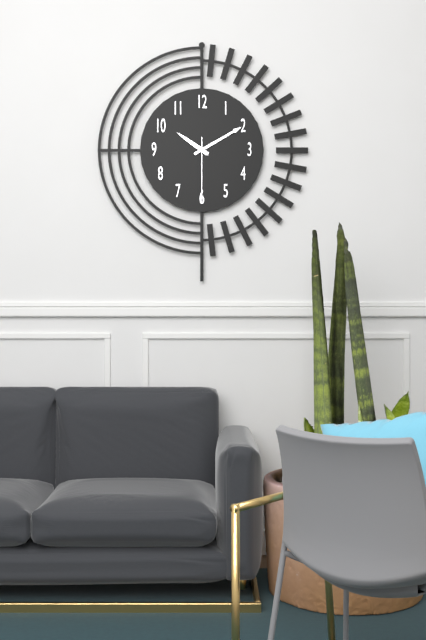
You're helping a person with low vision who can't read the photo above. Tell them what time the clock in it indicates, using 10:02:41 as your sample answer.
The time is 10:10:30
